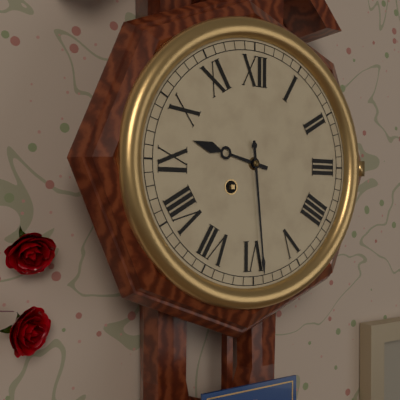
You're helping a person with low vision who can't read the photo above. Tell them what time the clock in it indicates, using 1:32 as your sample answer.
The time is 9:29
